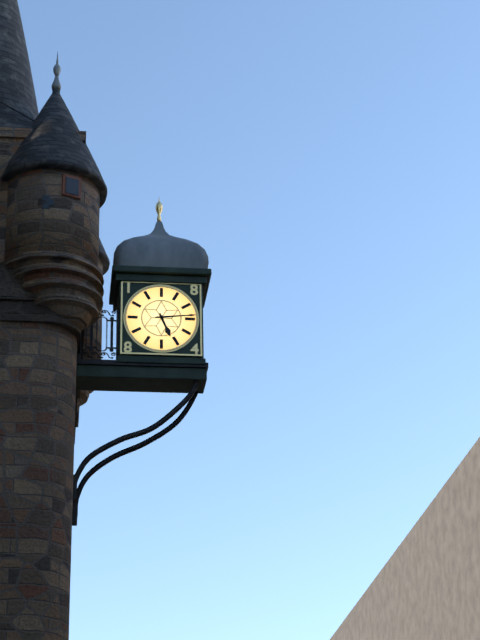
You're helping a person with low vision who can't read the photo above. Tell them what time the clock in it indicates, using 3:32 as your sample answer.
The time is 5:14
